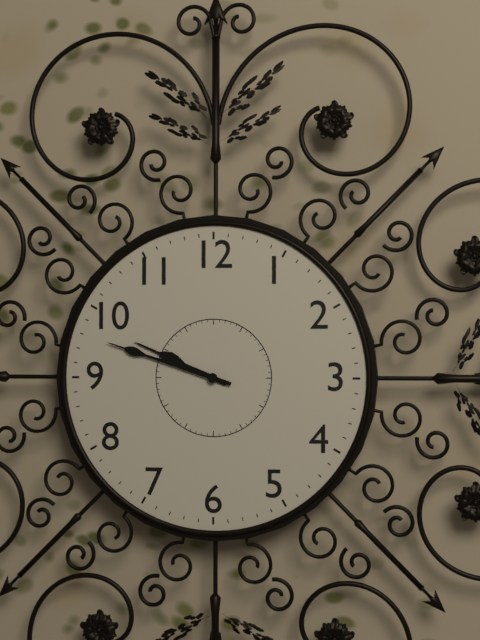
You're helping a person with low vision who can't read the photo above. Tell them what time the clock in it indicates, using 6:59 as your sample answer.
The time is 9:48
